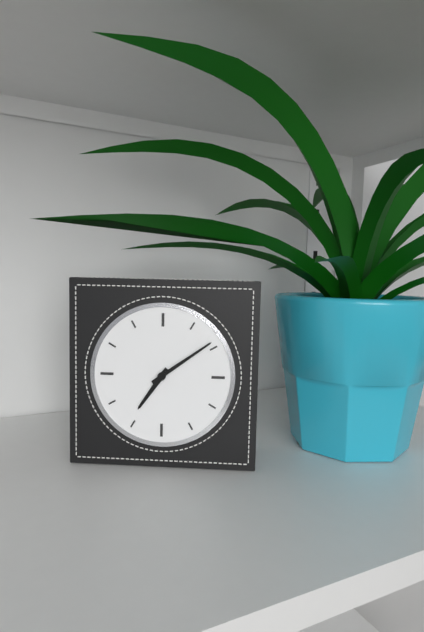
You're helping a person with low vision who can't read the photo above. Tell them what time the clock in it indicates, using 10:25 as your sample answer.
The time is 7:09
